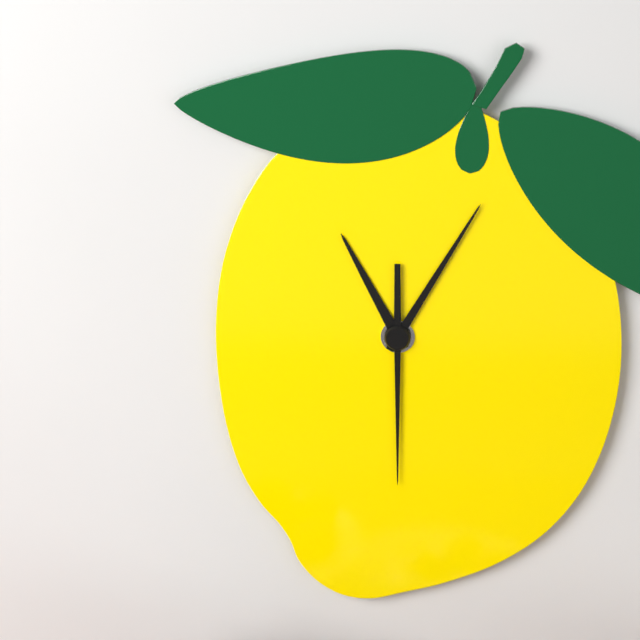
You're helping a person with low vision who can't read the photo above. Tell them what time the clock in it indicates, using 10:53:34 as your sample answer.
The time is 11:05:30
